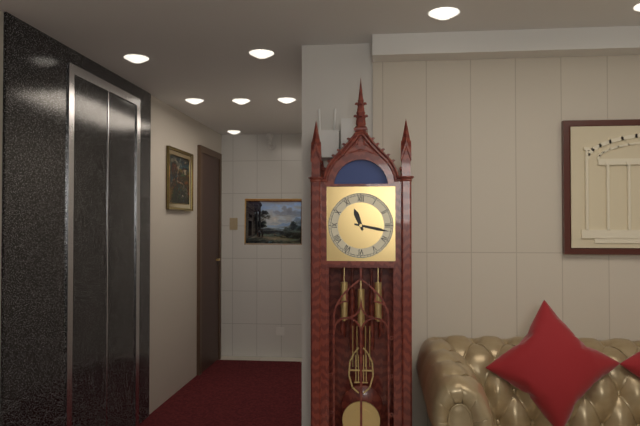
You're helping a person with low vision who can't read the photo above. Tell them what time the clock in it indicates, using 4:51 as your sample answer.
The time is 11:17
